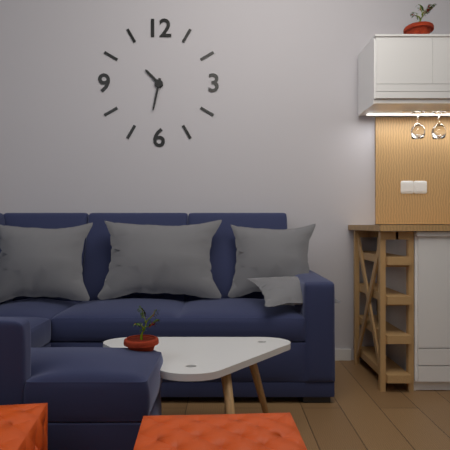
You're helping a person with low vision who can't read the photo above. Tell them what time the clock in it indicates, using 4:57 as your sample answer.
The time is 10:32
